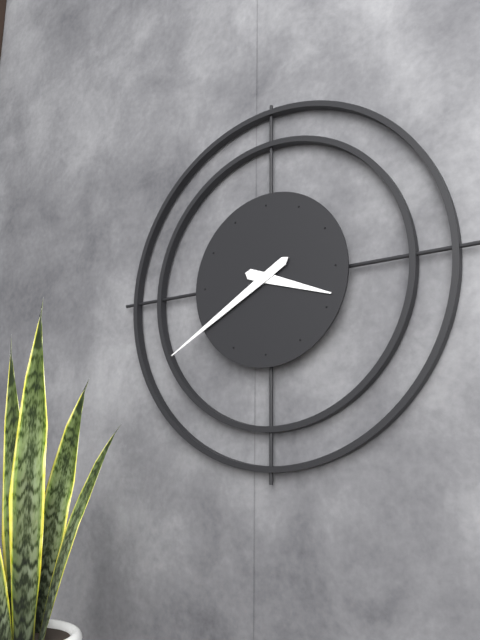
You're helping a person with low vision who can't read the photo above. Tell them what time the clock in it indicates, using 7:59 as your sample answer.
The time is 3:40
